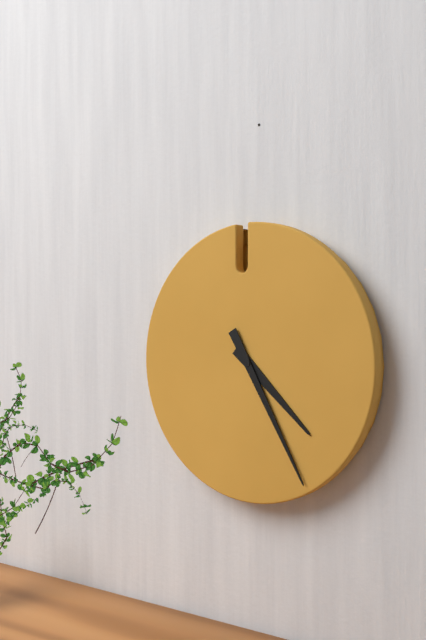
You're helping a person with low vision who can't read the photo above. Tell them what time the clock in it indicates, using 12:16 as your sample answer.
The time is 4:25
